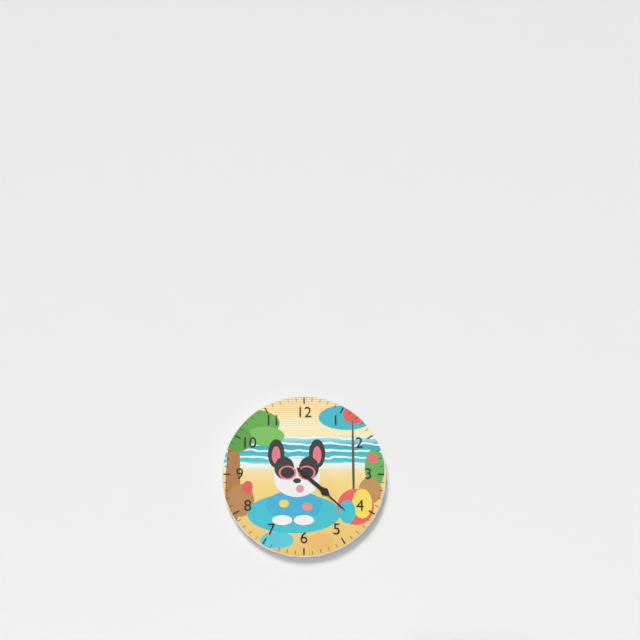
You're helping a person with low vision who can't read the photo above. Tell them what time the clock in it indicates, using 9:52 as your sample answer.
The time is 4:22
